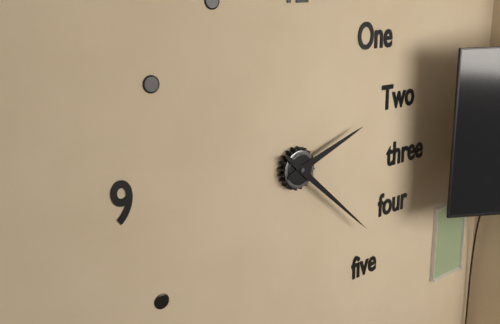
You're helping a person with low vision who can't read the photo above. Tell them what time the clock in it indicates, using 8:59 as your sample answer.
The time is 2:22
